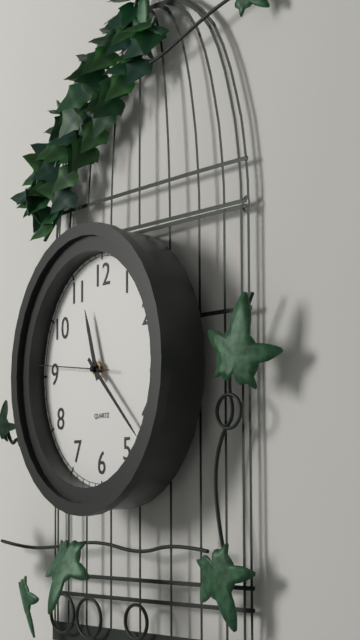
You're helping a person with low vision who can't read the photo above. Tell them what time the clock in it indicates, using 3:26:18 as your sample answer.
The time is 11:22:46
